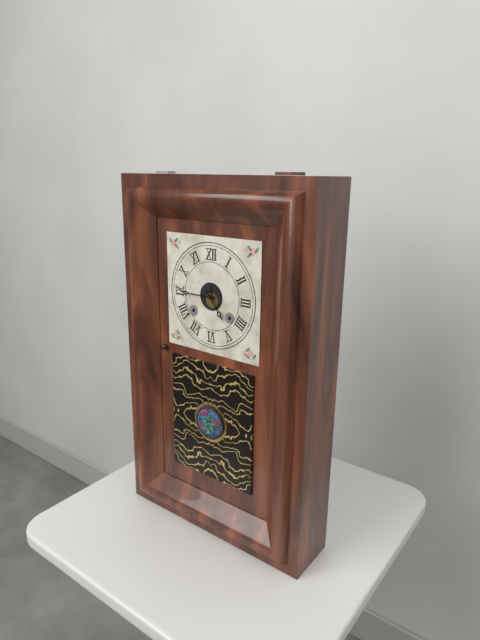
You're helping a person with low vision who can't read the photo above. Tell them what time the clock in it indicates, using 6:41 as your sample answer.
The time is 4:45
